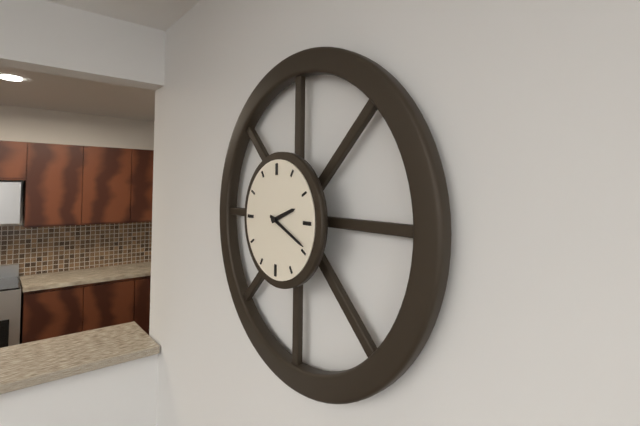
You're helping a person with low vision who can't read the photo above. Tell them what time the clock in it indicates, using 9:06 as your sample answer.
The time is 2:19
